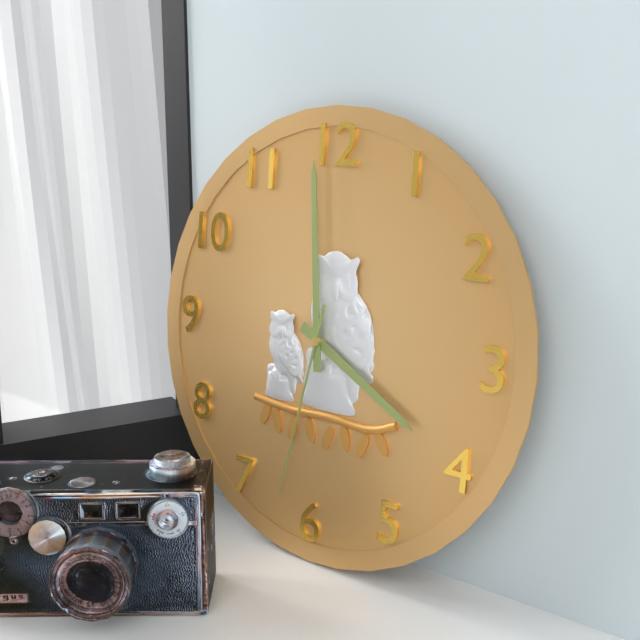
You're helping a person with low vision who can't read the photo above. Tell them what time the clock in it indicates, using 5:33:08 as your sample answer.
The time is 3:59:32
